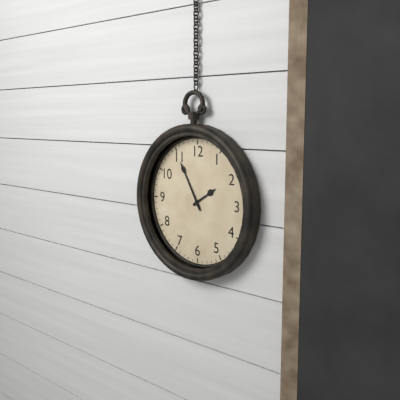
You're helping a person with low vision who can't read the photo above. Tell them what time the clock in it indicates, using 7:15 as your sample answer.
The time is 1:55
